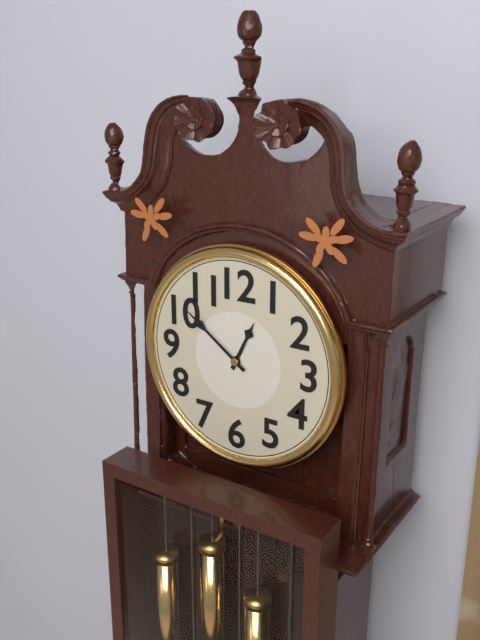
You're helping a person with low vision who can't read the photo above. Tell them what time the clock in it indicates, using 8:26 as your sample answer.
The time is 12:51
